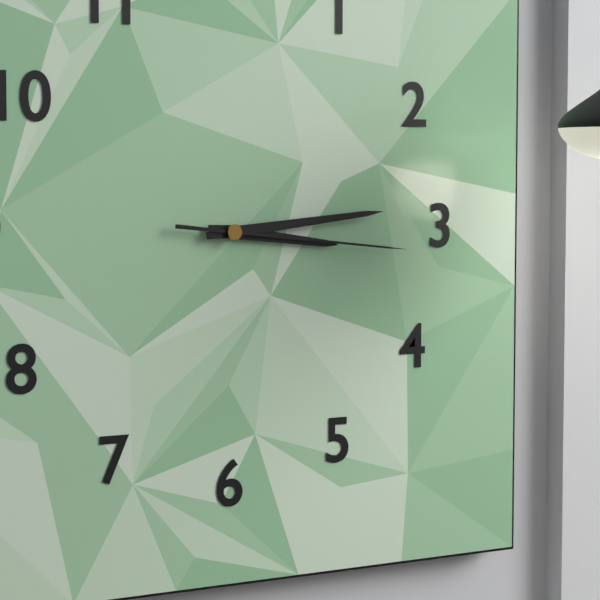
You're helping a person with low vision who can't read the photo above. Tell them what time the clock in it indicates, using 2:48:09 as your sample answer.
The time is 3:14:16
